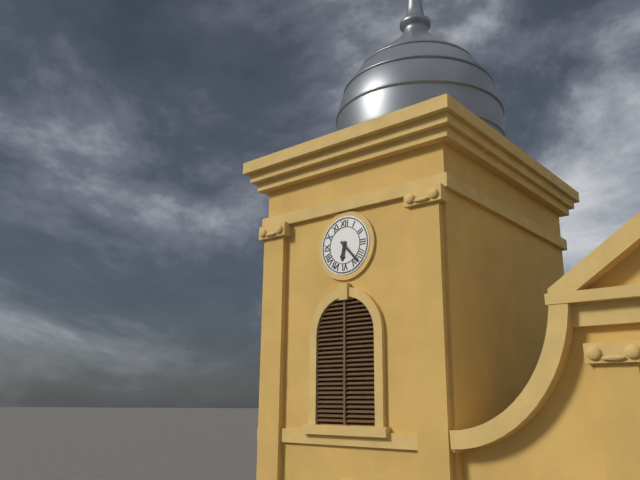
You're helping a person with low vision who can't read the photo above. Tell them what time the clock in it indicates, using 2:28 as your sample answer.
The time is 6:23
